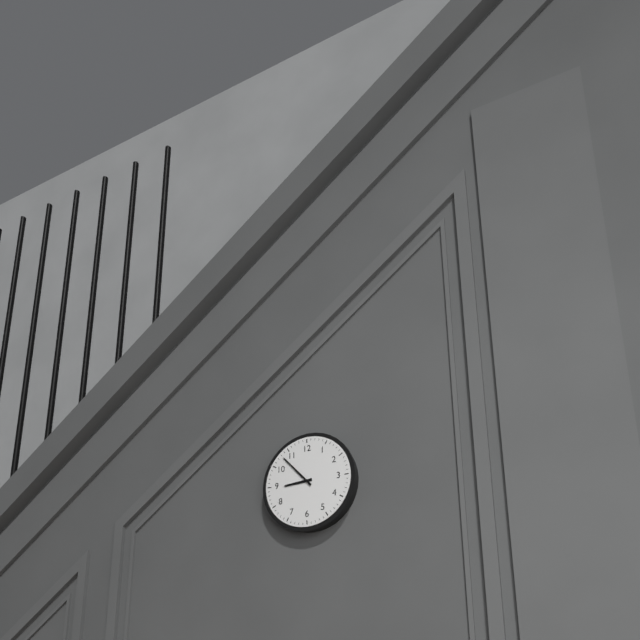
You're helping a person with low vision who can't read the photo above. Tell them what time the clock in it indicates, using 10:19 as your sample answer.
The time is 8:53
